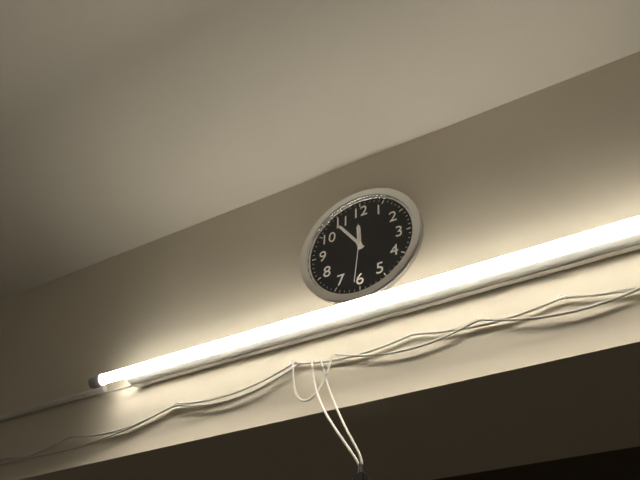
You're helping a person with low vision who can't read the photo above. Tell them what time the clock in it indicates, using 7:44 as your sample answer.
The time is 11:54
